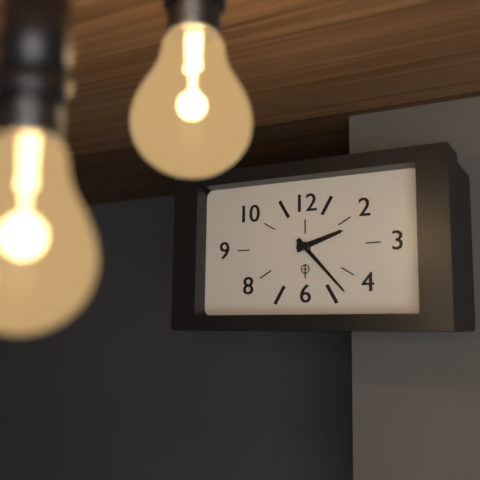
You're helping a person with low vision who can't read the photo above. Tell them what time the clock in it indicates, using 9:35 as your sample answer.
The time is 2:23
